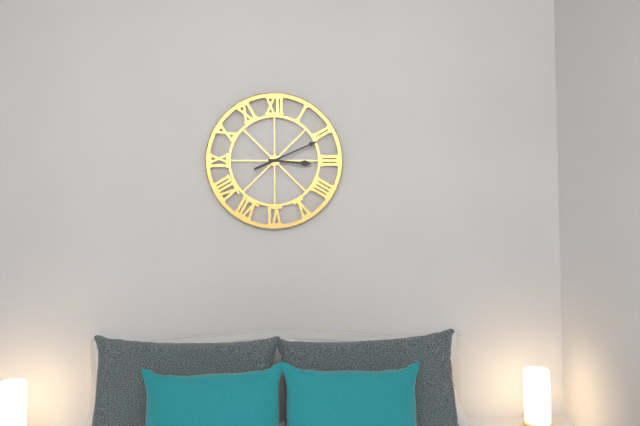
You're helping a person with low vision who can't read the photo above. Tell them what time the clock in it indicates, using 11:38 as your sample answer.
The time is 3:11
